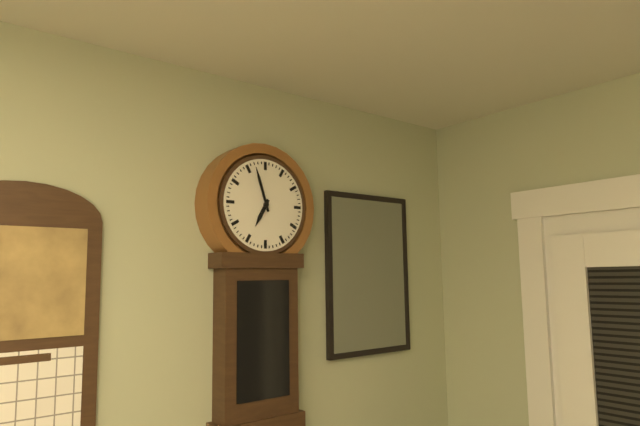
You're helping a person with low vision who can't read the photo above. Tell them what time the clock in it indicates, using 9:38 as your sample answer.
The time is 6:57
